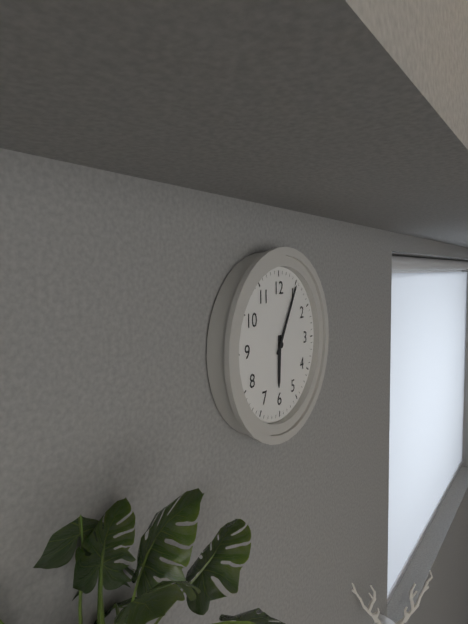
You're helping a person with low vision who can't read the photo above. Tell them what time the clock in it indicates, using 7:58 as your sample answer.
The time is 6:05
